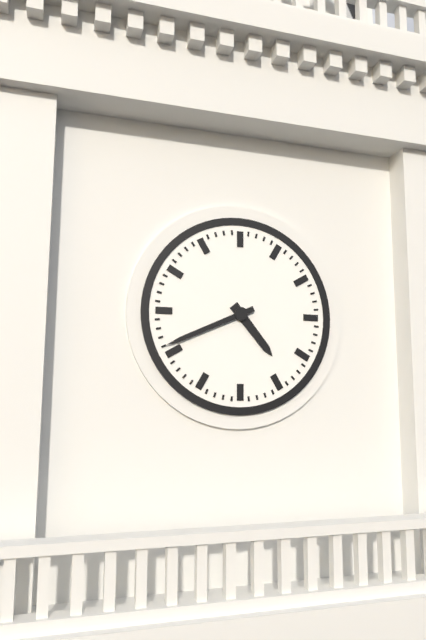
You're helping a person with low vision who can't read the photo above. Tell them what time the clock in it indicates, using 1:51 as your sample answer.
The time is 4:41
